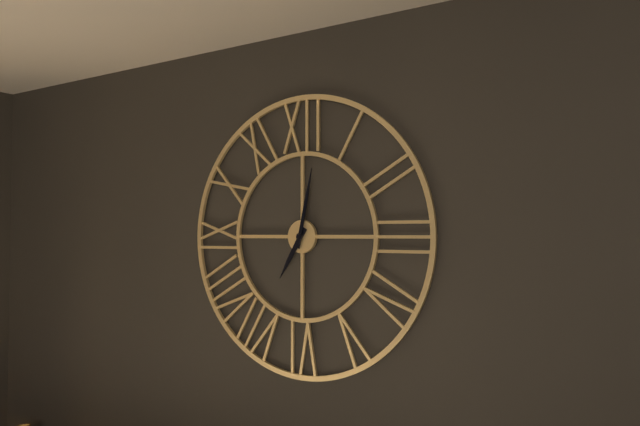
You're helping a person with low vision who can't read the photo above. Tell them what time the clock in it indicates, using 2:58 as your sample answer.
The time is 7:02
